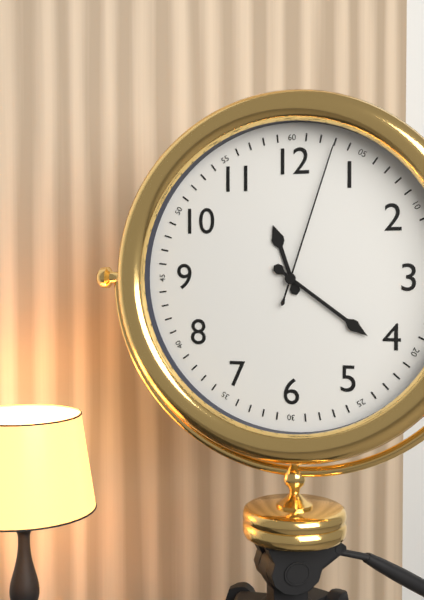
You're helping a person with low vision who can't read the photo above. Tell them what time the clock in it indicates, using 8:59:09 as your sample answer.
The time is 11:21:03
